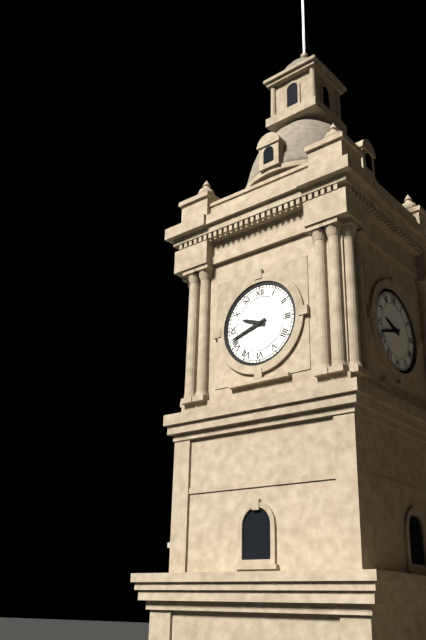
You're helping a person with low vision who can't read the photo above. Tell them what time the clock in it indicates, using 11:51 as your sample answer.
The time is 9:42
